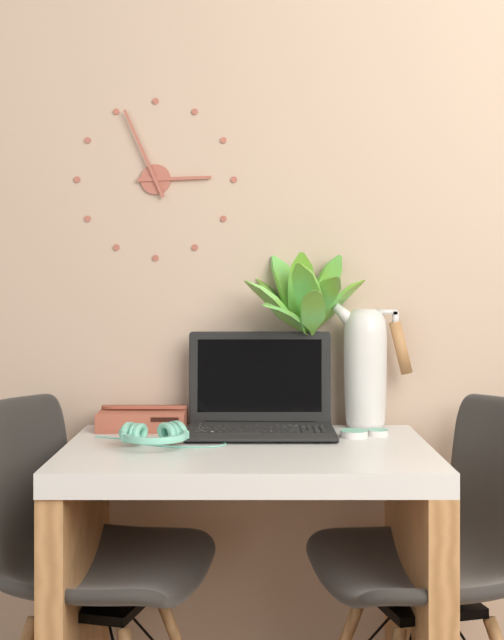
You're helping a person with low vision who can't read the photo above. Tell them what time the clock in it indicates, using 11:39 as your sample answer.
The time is 2:56
